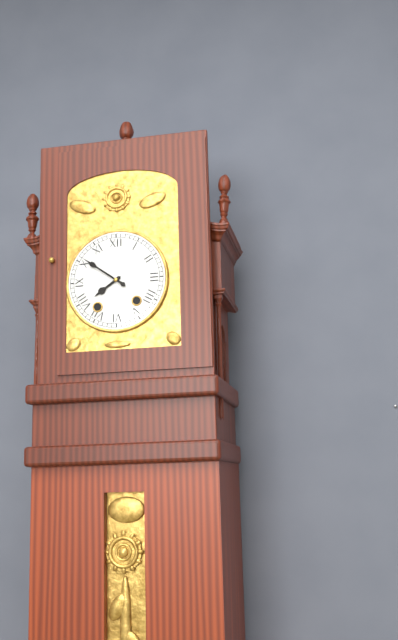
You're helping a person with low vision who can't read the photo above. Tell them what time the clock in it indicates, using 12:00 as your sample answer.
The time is 7:51
